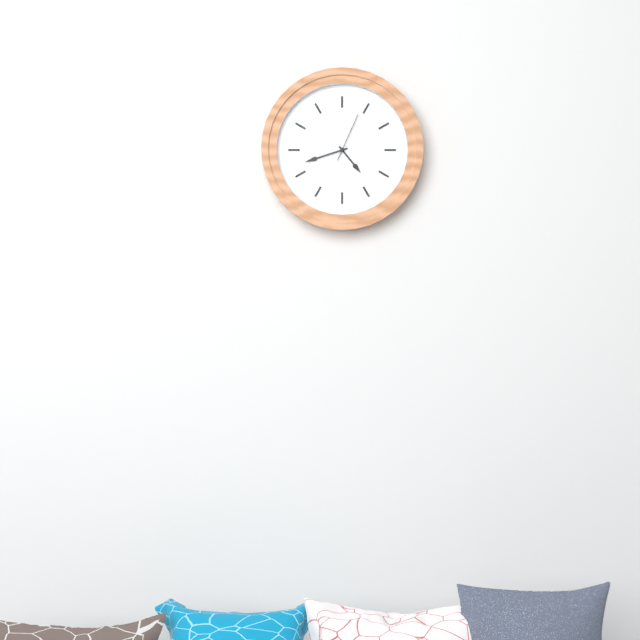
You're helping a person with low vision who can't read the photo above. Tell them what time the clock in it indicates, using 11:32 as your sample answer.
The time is 4:42
